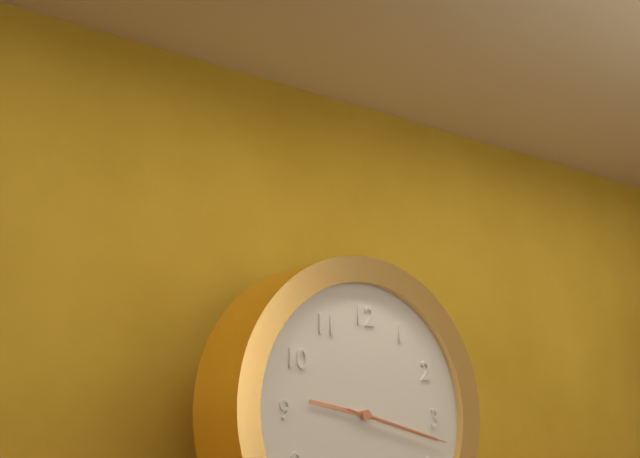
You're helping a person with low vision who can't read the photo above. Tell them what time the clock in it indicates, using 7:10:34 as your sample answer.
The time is 9:17:17
